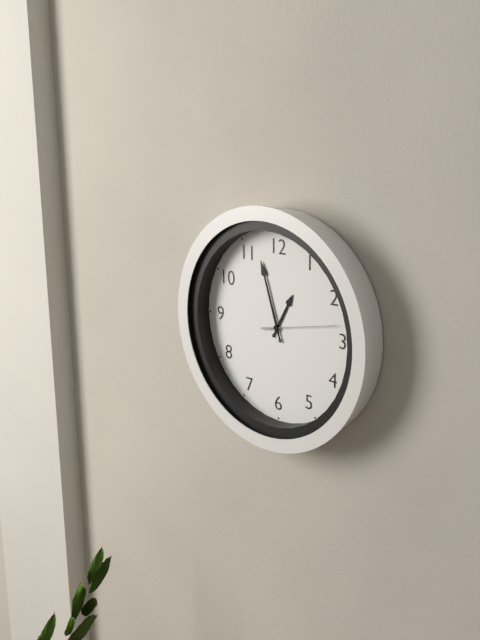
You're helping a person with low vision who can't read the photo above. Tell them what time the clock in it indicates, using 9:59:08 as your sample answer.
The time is 12:57:13
